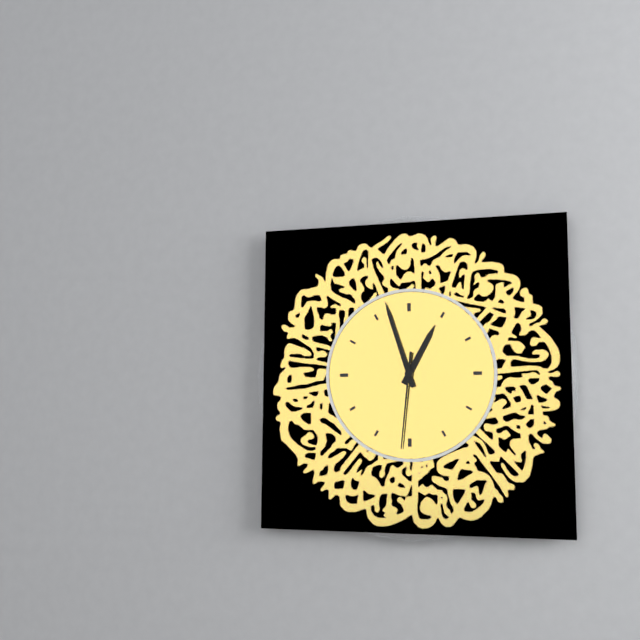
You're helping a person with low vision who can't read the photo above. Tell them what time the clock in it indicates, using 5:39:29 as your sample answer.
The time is 12:57:31
